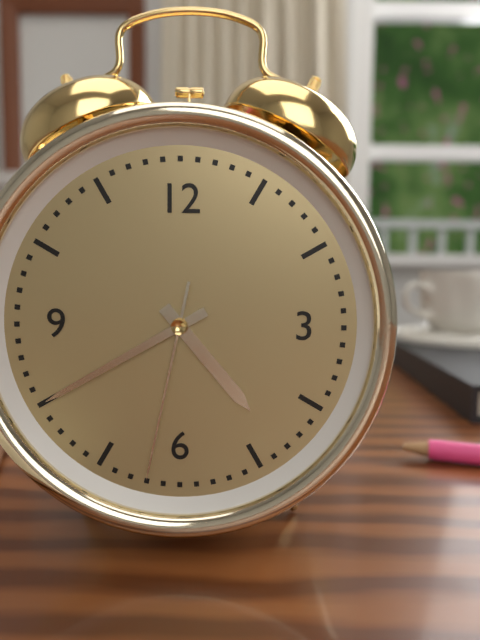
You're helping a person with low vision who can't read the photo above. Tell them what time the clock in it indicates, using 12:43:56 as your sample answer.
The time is 4:40:32
